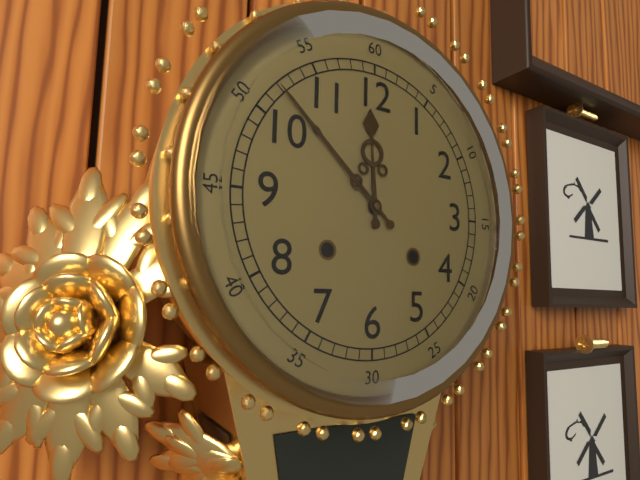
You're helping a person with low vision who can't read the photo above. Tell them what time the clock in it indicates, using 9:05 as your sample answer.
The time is 11:52
